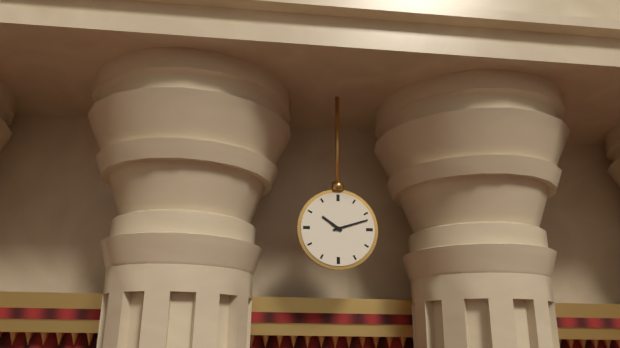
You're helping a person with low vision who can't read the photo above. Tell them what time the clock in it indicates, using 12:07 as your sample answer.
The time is 10:12
